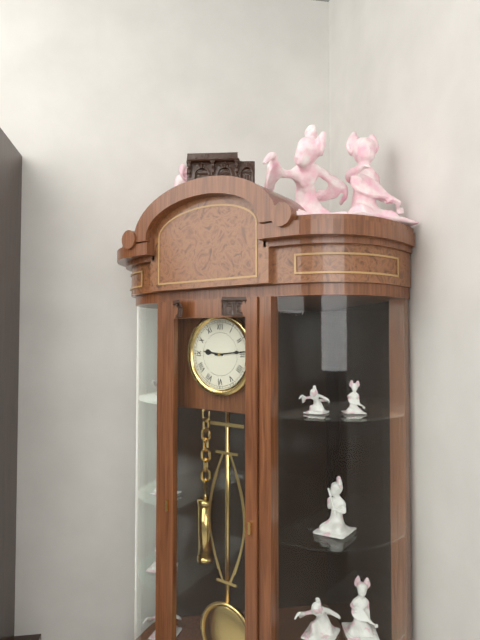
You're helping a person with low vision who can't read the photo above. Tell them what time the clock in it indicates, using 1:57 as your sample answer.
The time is 9:14
